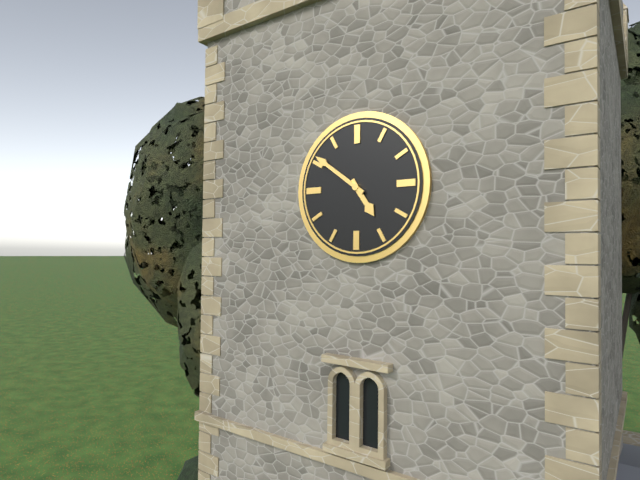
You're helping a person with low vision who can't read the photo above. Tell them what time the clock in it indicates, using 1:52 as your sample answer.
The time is 4:51
